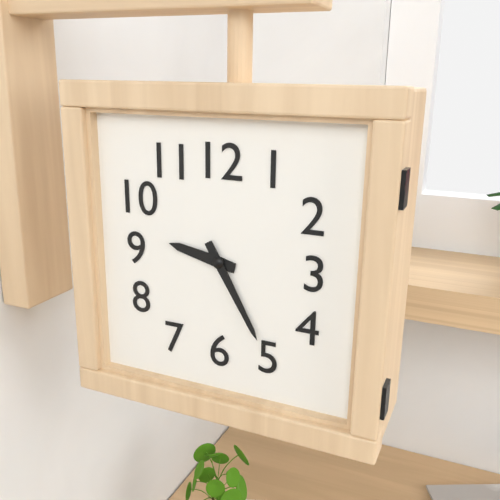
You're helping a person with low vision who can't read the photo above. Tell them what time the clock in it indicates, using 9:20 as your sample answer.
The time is 9:25
